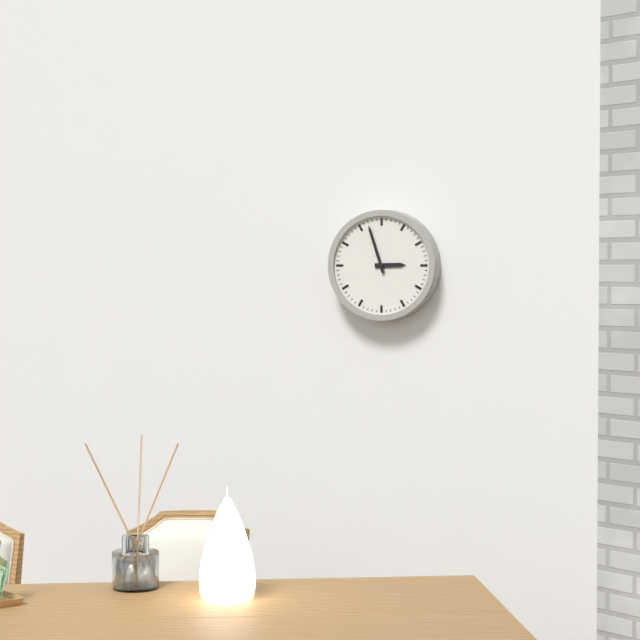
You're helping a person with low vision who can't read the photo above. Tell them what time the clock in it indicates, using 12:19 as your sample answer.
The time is 2:57
